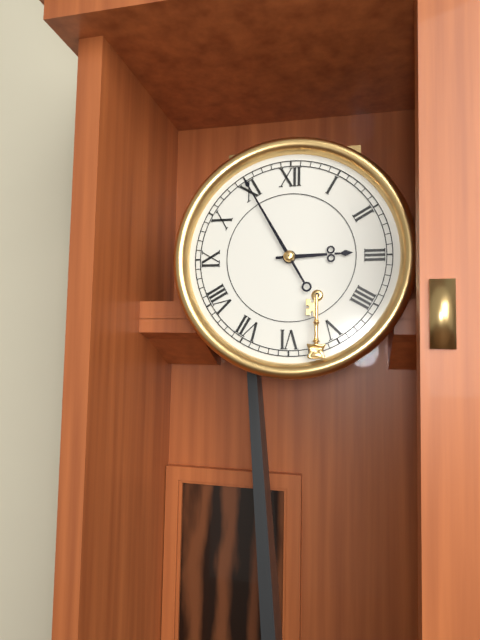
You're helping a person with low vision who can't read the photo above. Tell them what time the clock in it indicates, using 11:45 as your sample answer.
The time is 2:55
